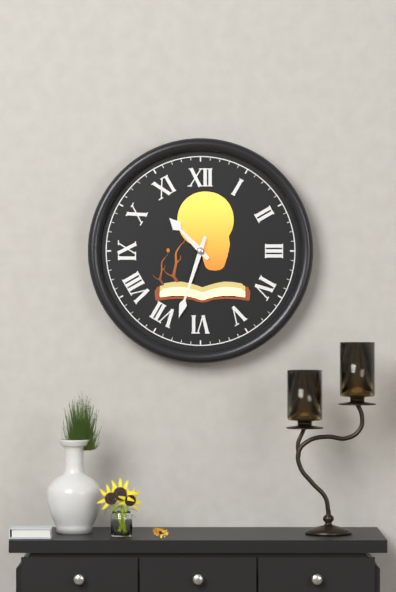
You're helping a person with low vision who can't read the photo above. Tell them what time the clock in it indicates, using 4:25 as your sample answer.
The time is 10:33
